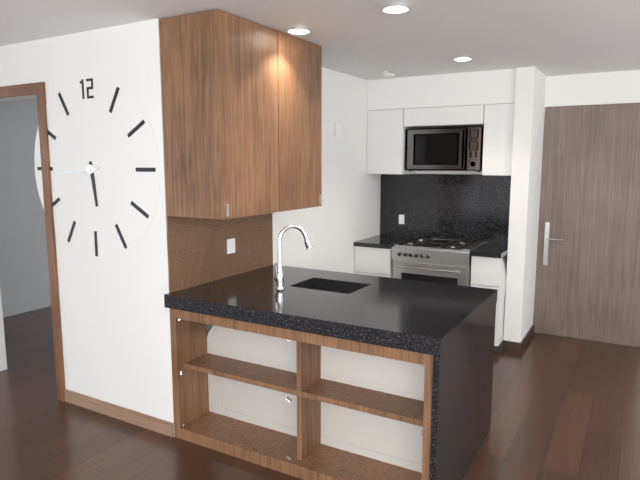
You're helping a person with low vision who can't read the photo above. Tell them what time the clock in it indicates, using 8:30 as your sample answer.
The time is 5:44
